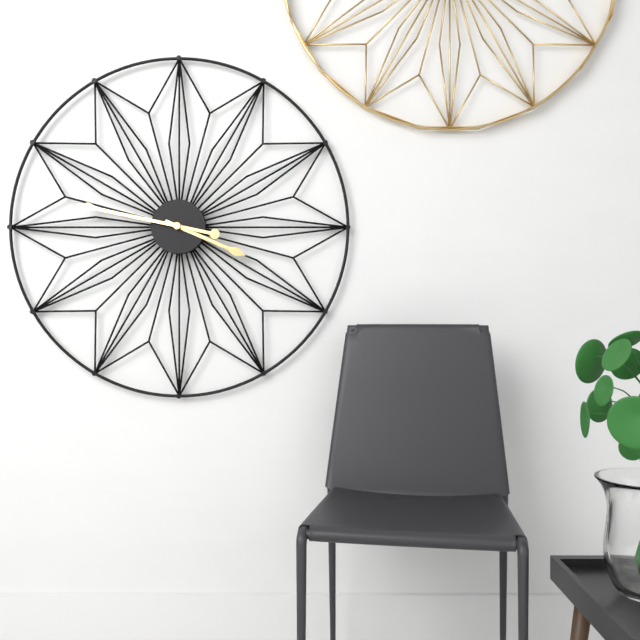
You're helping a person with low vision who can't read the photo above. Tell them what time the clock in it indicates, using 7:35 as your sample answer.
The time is 3:47
